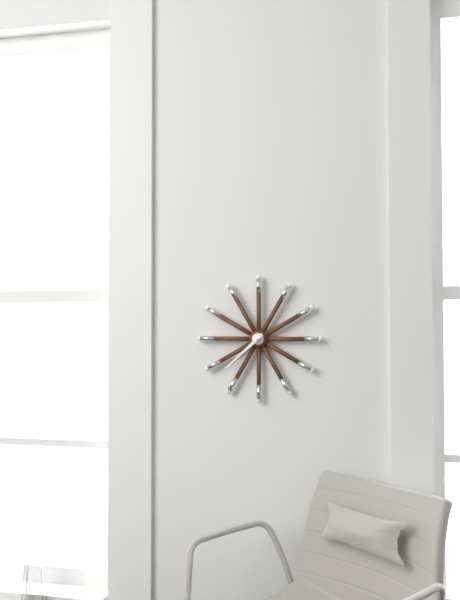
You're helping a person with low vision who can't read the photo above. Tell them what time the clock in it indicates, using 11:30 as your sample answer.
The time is 7:38
